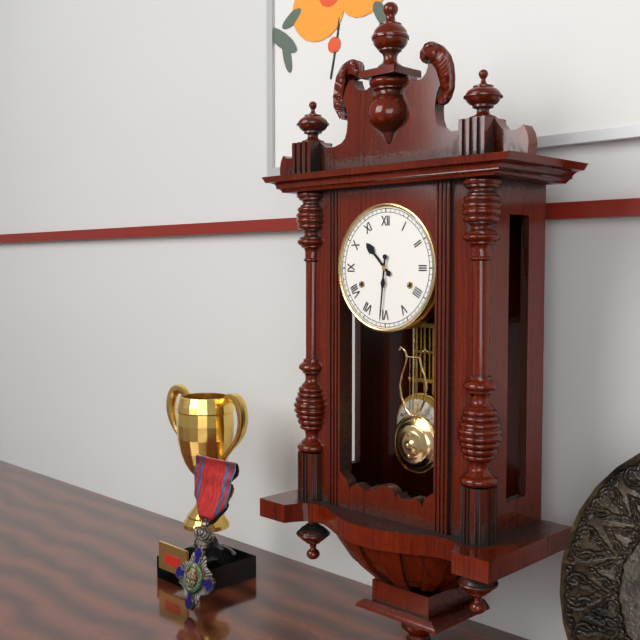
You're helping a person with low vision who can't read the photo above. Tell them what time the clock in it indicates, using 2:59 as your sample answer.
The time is 10:31
